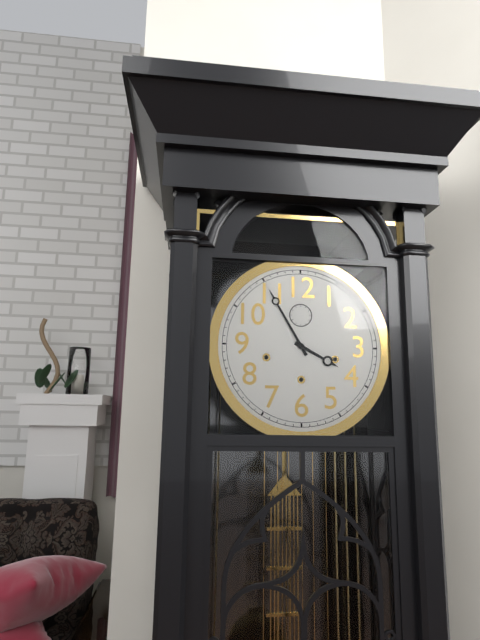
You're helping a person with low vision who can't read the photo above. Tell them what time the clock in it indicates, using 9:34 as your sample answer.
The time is 3:55
